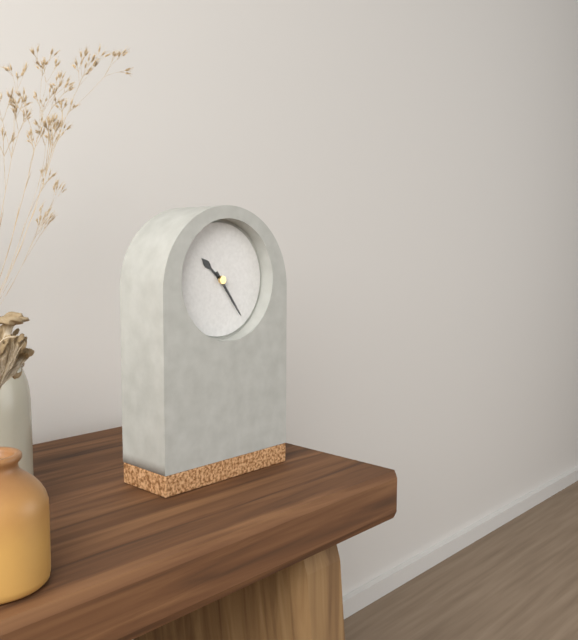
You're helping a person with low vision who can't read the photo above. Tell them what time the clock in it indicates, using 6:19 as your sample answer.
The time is 10:24
